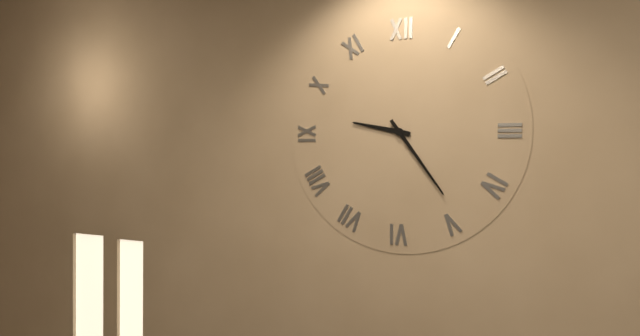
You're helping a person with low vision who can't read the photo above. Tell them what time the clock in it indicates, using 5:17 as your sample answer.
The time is 9:24
